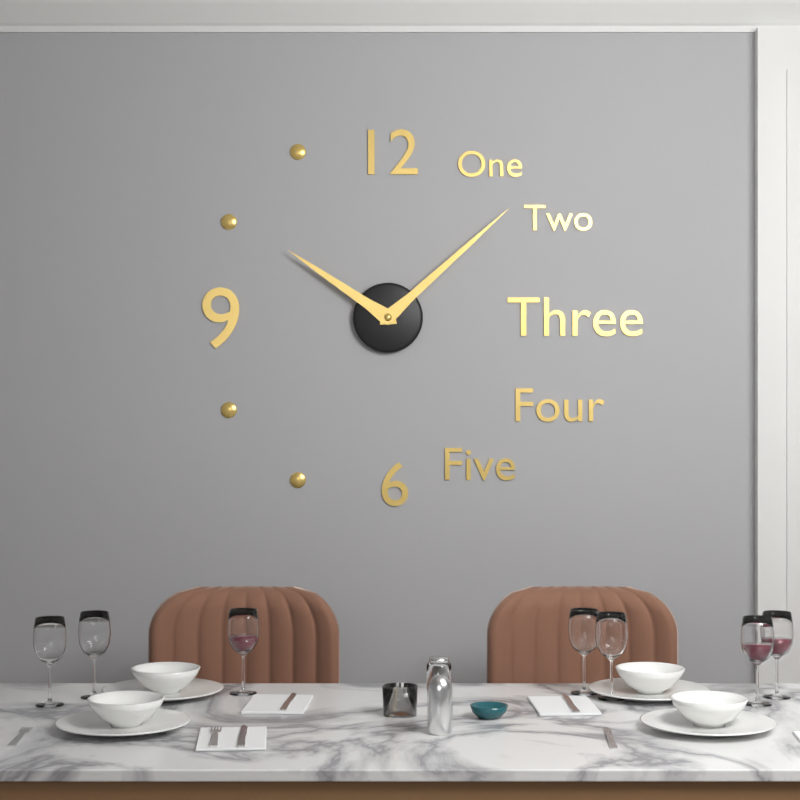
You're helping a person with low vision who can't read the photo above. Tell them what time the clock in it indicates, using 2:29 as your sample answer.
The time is 10:08
